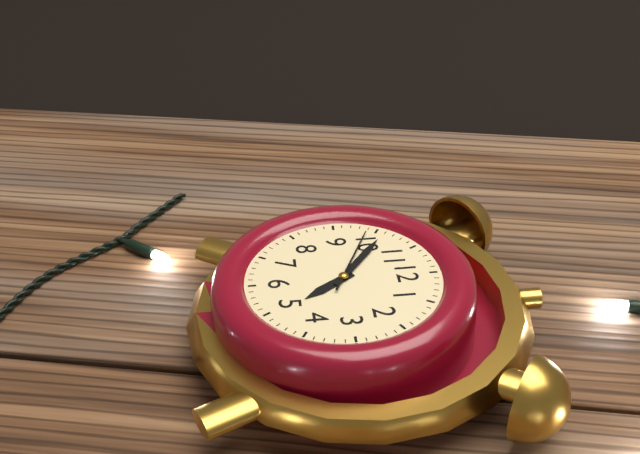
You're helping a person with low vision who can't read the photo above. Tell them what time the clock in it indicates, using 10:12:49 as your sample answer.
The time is 4:51:49
